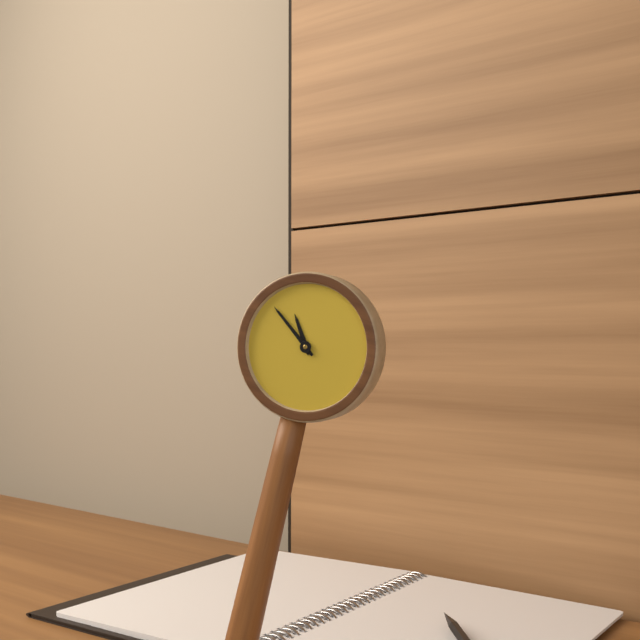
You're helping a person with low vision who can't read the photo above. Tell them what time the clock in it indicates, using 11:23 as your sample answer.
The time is 10:51
